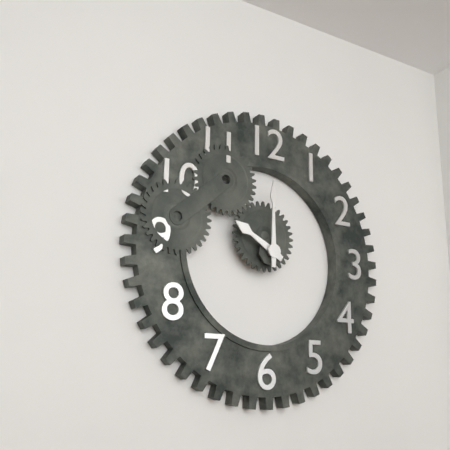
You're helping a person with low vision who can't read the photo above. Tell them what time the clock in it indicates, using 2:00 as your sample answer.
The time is 10:00
